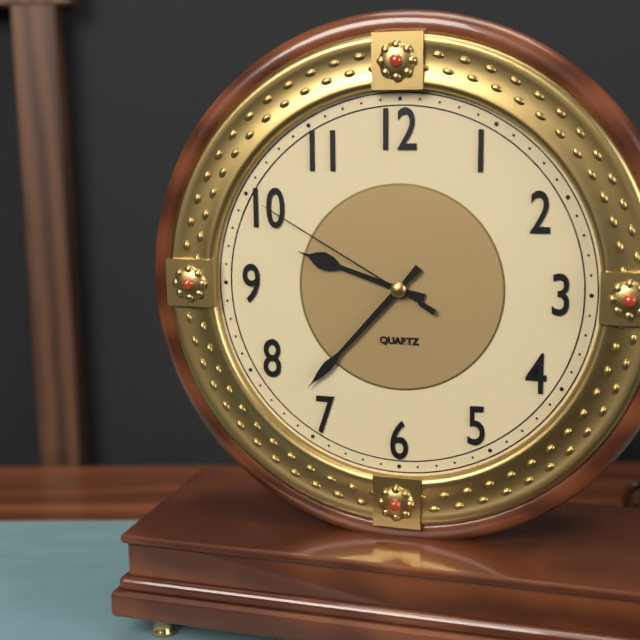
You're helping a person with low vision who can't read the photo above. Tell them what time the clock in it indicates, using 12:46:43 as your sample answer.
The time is 9:37:50
